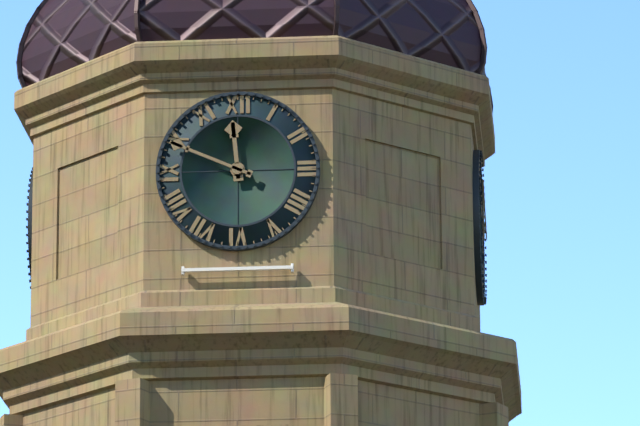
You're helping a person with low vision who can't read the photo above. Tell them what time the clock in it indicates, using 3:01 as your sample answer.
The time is 11:49
